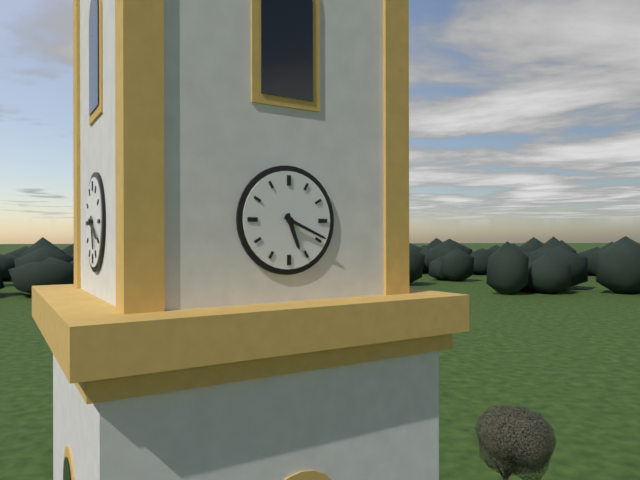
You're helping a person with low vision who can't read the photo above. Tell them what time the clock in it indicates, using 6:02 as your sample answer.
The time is 5:19
